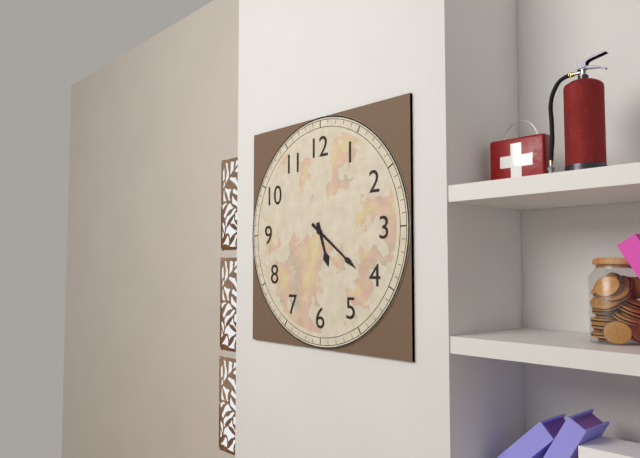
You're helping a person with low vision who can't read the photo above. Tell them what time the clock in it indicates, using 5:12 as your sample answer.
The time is 5:21
